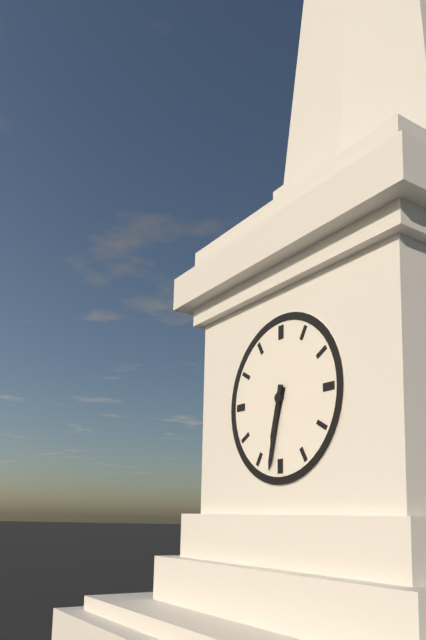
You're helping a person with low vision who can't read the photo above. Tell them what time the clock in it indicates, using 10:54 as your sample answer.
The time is 6:32
